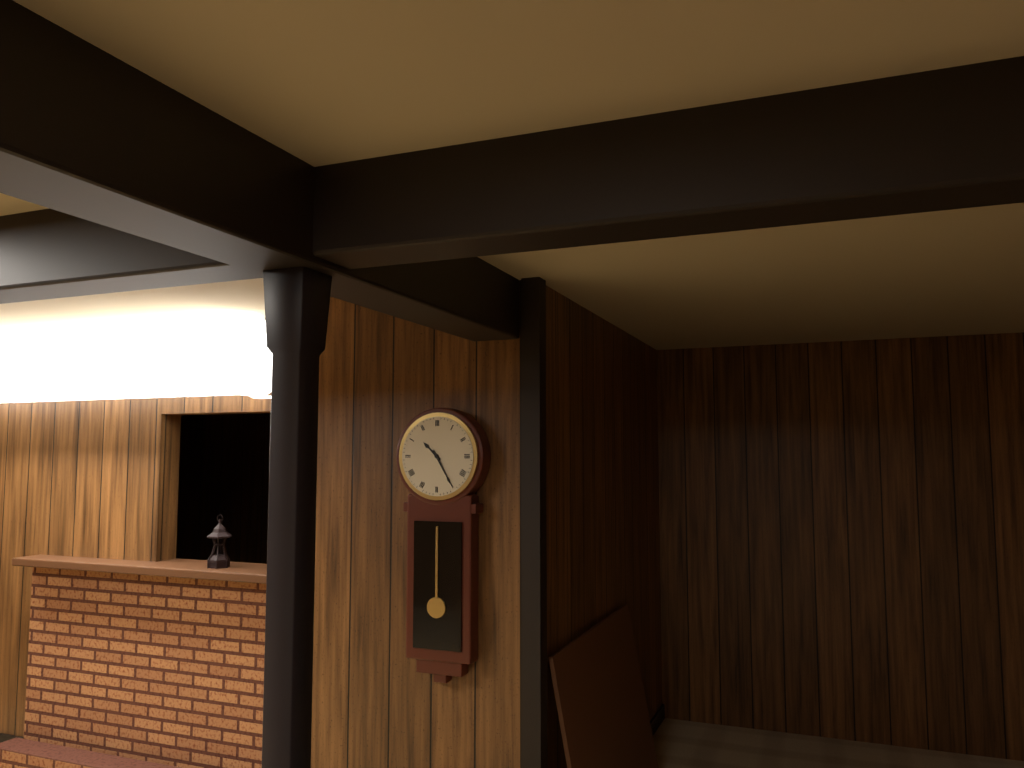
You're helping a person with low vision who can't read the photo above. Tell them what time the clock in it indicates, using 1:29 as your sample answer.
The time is 10:25
